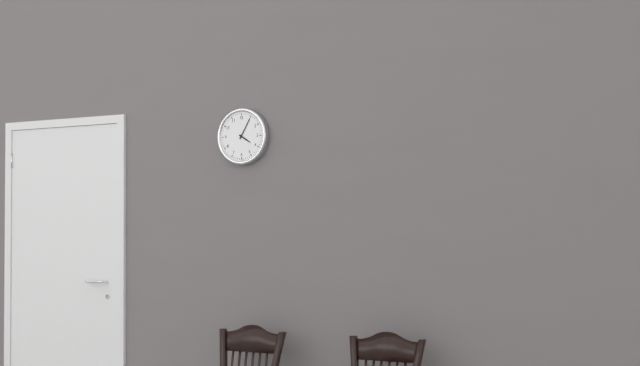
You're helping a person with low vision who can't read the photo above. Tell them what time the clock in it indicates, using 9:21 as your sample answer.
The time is 4:05
